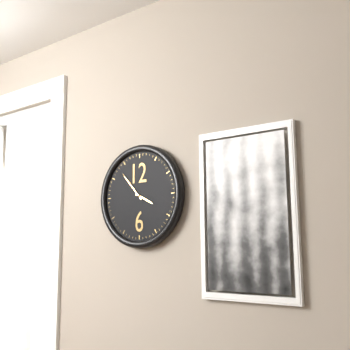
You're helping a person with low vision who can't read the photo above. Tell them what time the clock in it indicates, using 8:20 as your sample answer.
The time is 3:53
